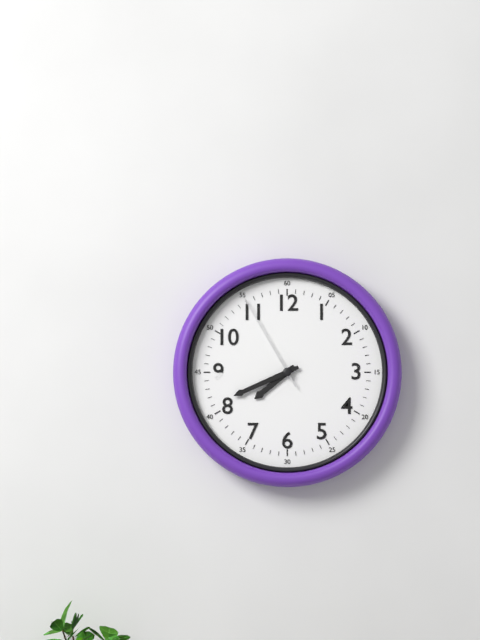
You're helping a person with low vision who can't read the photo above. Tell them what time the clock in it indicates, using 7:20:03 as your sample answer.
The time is 7:41:55
